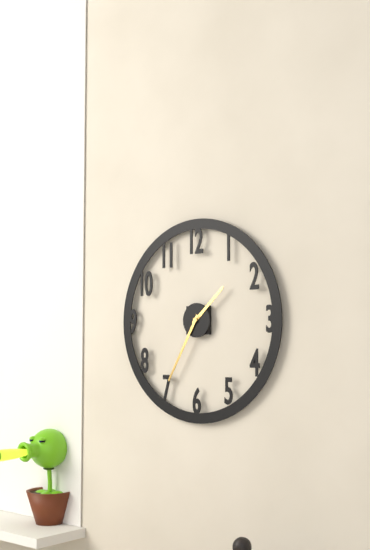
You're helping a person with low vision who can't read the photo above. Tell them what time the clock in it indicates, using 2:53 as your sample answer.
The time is 1:35
